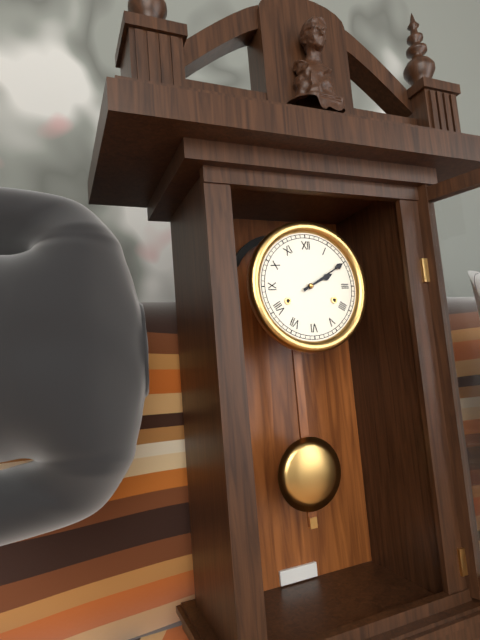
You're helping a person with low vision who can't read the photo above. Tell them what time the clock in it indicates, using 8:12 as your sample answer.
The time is 2:10
